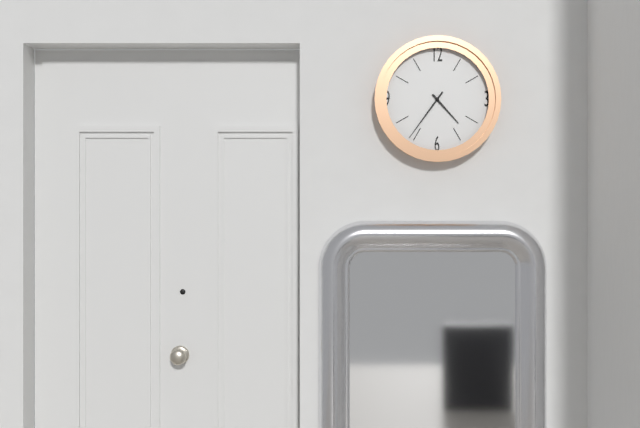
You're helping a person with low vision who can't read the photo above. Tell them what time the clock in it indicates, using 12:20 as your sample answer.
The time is 4:36
